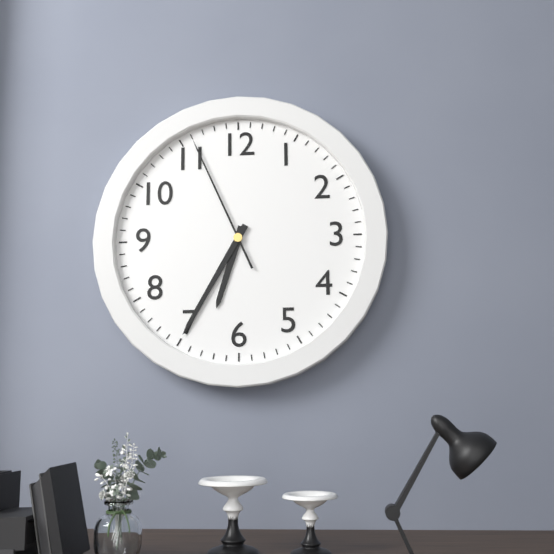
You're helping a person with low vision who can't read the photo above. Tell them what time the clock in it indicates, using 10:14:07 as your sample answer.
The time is 6:35:56
